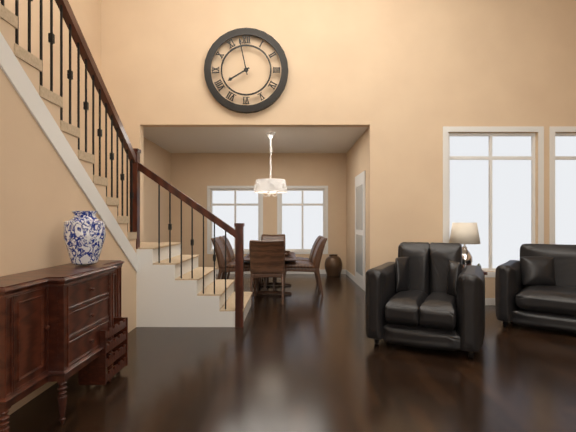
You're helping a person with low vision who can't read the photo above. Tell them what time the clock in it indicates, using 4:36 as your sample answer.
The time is 7:58
